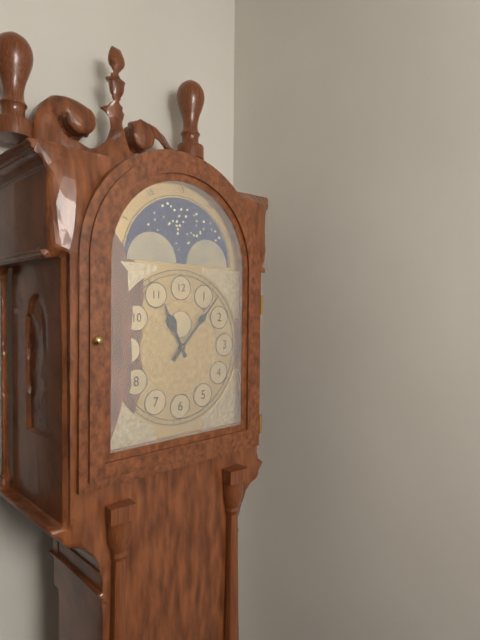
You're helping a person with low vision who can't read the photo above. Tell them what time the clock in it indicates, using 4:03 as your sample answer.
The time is 11:07
